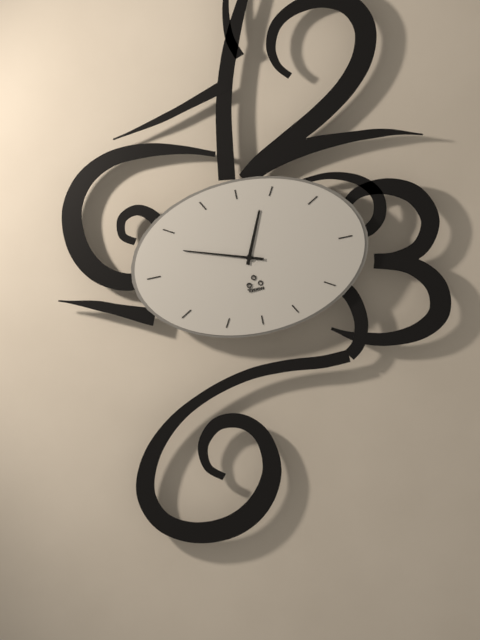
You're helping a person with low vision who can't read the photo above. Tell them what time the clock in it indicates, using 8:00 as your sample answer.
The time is 12:48
